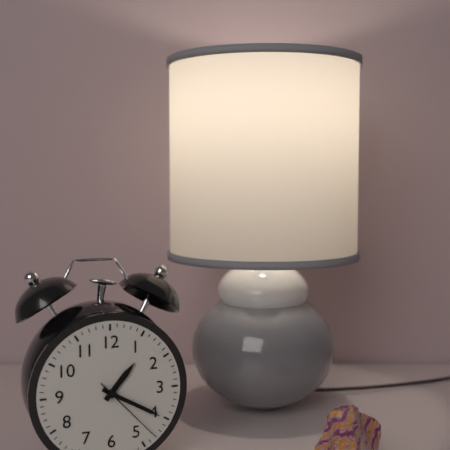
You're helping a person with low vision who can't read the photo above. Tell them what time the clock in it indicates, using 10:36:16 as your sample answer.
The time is 1:20:23
